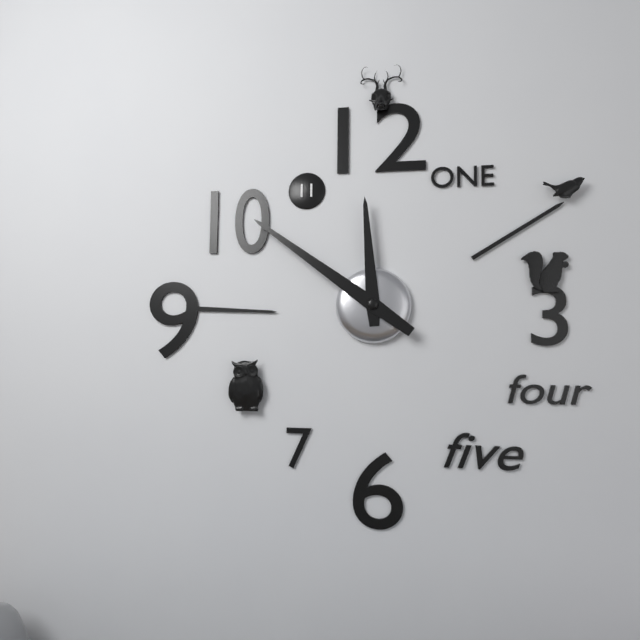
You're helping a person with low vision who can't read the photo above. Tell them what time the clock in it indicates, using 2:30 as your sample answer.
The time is 11:51
